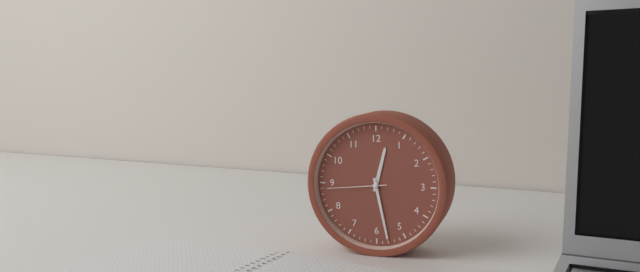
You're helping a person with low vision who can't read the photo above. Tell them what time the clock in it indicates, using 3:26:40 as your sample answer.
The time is 12:28:44
